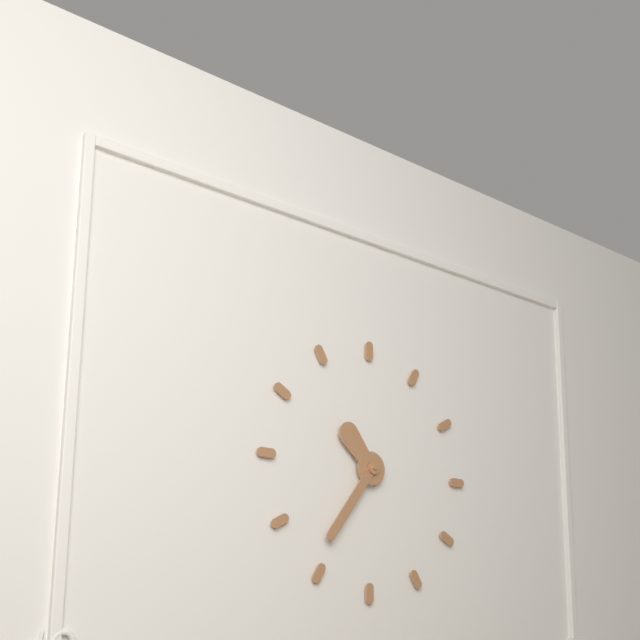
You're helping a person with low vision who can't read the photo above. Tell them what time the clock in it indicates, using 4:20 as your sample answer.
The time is 10:36
